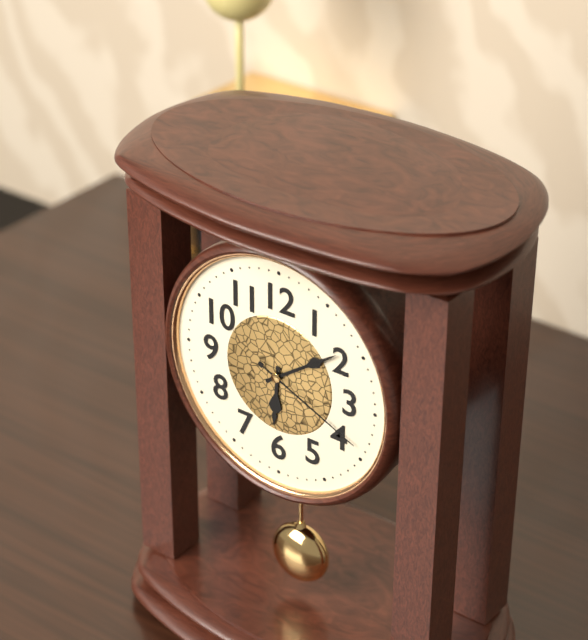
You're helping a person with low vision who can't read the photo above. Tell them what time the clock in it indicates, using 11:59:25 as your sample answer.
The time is 6:09:19
